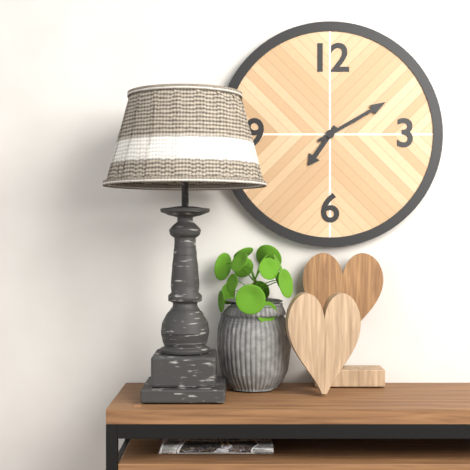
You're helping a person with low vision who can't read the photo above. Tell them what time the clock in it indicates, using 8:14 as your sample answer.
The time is 7:10
